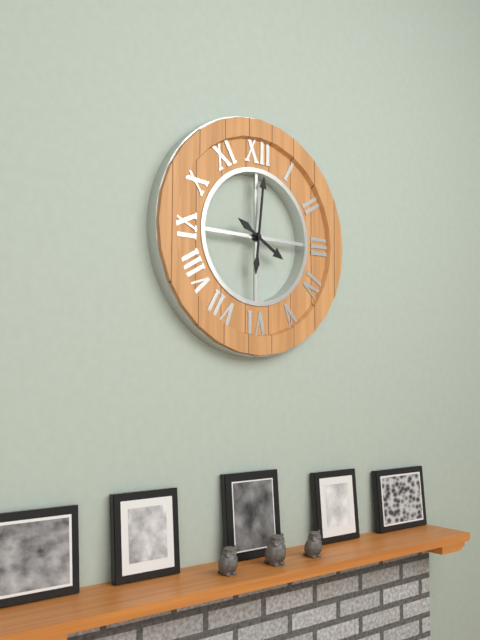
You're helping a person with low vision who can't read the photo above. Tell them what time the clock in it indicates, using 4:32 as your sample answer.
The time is 4:01
